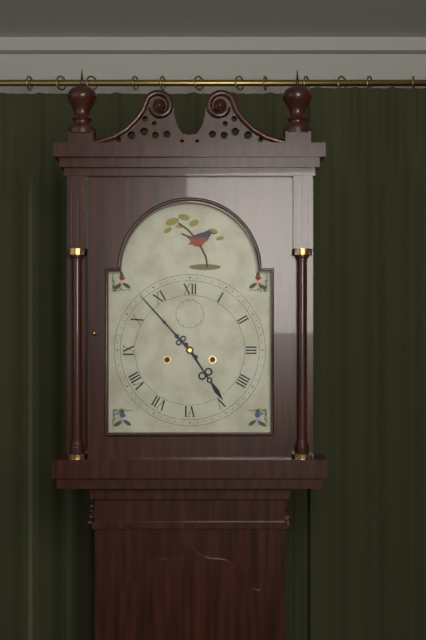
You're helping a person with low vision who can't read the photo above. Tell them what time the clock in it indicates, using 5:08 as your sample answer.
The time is 4:53
